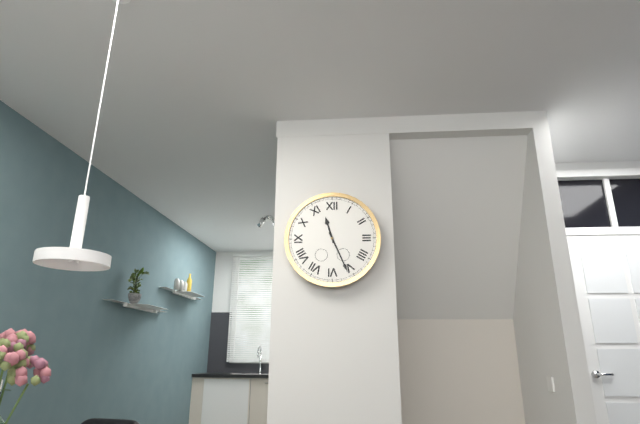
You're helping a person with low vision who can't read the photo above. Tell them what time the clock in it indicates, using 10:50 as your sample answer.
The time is 11:26
